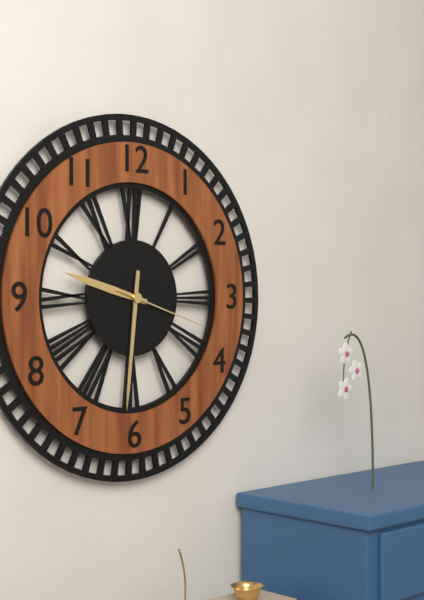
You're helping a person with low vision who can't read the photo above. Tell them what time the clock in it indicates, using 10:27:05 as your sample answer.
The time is 9:31:18
